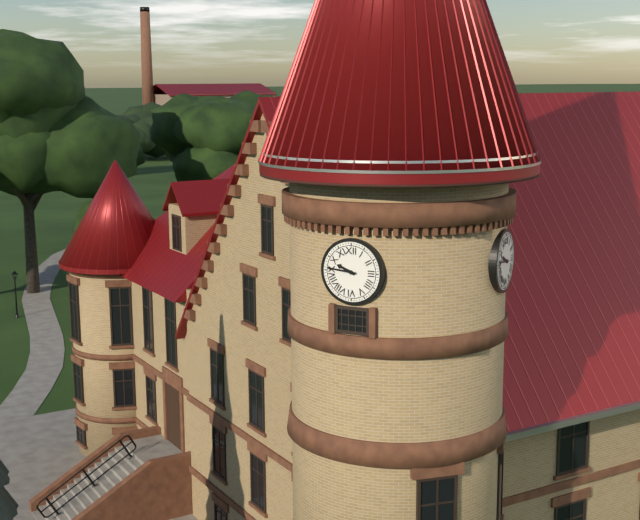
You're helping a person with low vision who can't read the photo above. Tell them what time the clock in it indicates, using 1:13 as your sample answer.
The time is 9:46
